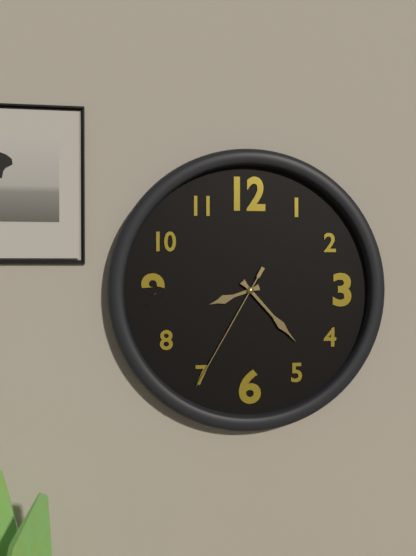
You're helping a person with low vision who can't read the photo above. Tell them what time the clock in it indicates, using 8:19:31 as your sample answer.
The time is 8:23:35
